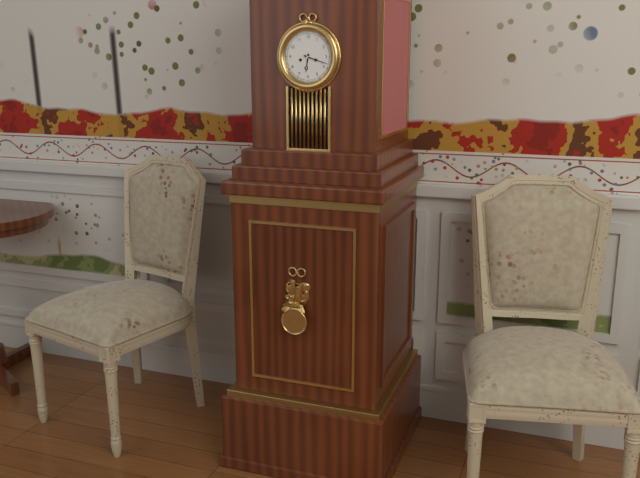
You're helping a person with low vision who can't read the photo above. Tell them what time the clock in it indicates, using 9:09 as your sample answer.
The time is 6:18
